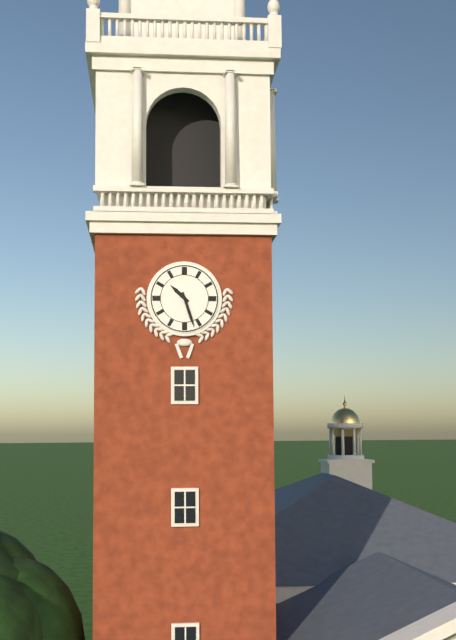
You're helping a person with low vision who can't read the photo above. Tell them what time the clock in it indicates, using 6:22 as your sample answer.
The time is 10:27
